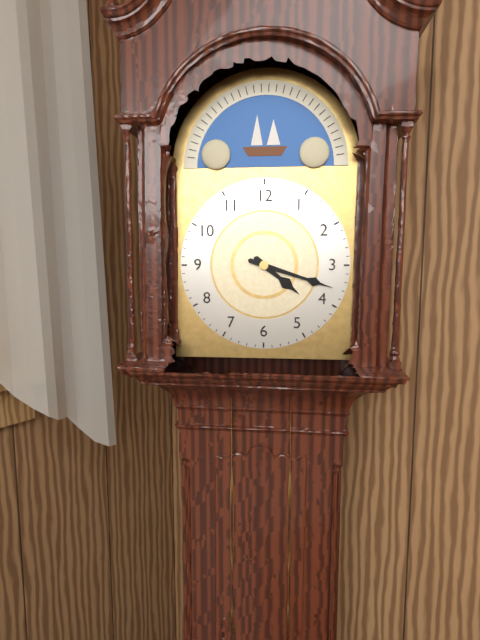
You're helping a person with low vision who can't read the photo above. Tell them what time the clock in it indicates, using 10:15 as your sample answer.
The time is 4:18
